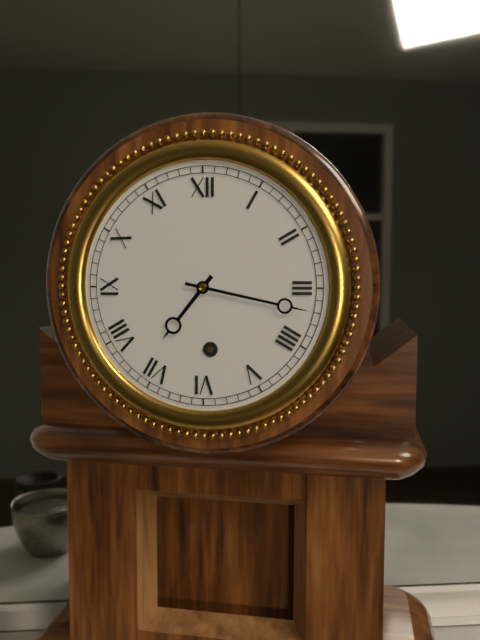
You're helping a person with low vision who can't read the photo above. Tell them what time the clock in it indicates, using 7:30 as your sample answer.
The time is 7:17
